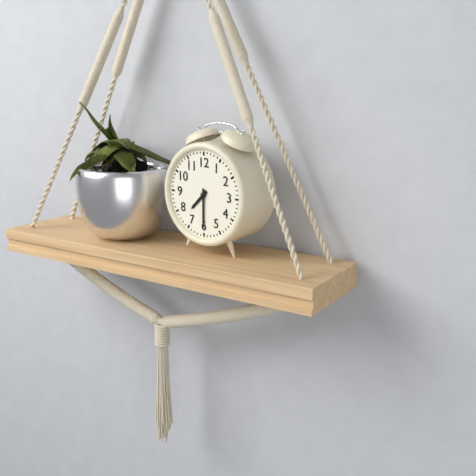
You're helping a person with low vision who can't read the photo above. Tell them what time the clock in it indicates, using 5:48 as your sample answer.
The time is 7:30
